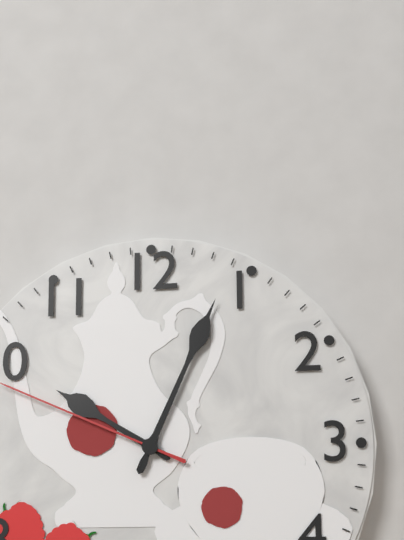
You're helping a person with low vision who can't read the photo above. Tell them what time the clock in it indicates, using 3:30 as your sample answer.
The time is 10:04
